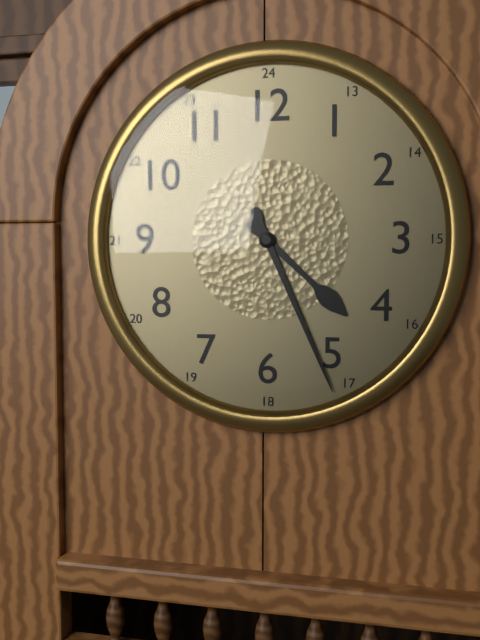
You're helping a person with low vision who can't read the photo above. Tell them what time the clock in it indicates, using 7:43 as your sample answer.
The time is 4:26
